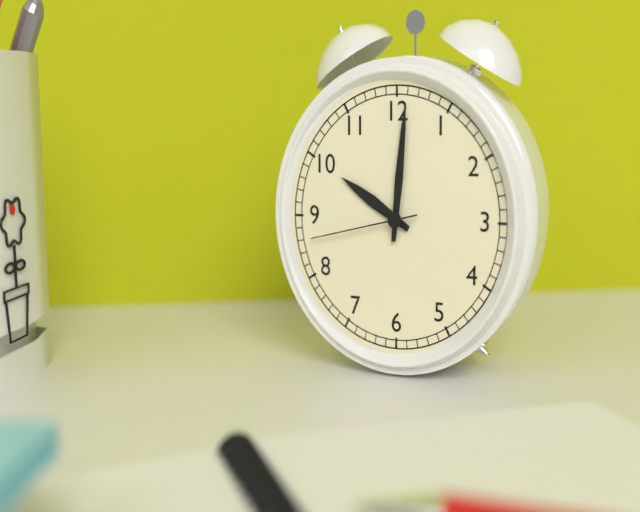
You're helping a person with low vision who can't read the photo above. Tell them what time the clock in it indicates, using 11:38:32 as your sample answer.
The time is 10:01:43
